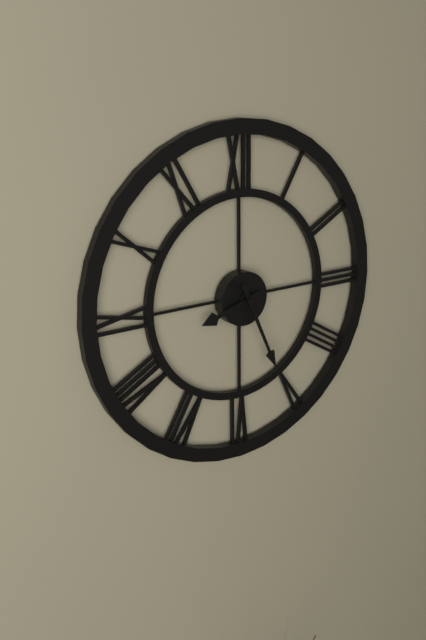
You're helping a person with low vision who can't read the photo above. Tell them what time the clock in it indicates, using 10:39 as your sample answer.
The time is 8:26
